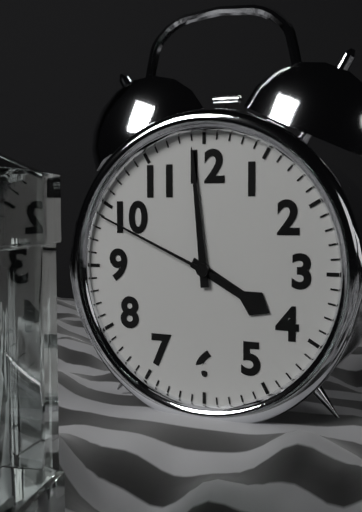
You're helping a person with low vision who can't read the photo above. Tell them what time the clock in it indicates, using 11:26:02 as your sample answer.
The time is 3:59:49
